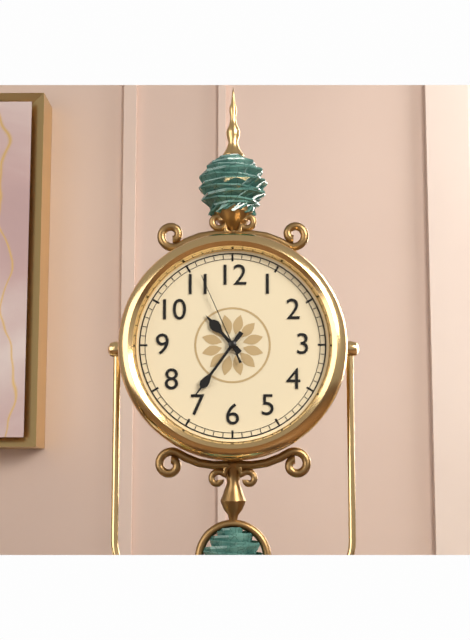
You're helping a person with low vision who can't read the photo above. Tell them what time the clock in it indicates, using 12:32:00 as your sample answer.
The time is 10:36:56
